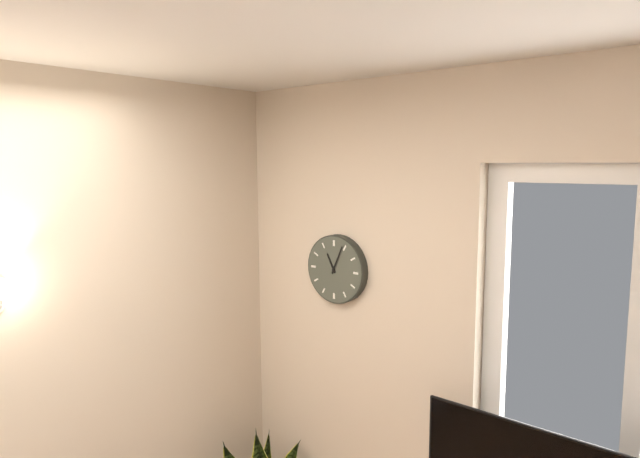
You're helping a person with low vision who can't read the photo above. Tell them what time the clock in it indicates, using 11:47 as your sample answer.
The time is 11:04
